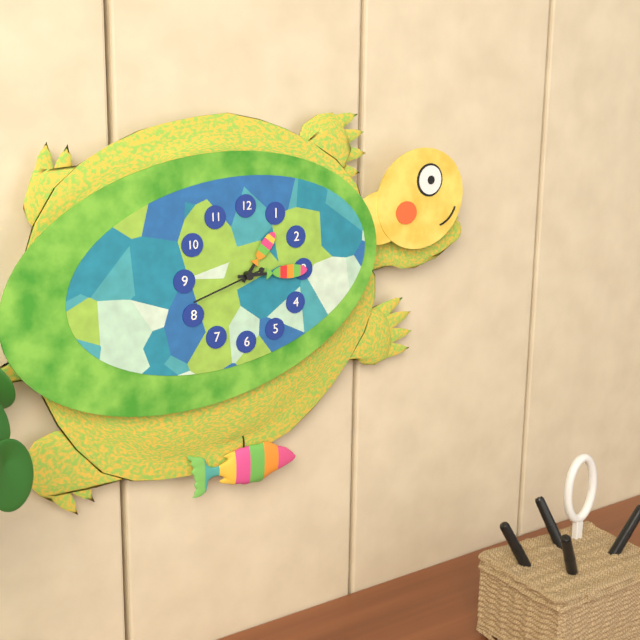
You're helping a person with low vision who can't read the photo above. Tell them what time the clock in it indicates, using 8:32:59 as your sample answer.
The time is 1:15:42
